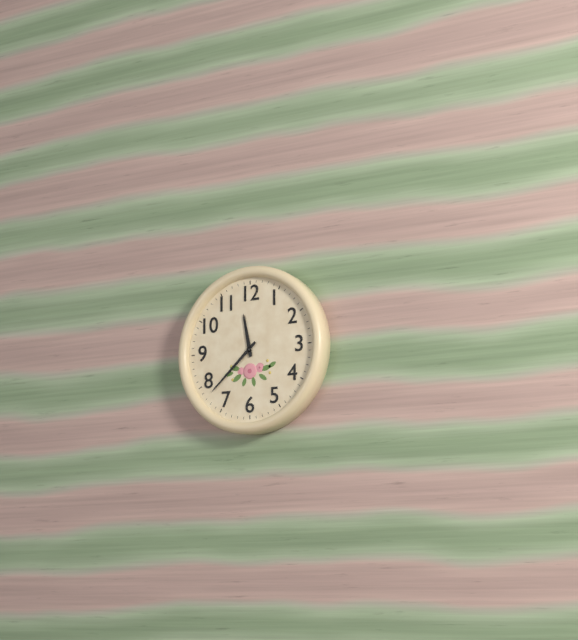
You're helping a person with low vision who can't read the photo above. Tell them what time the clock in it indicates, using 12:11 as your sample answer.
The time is 11:38
